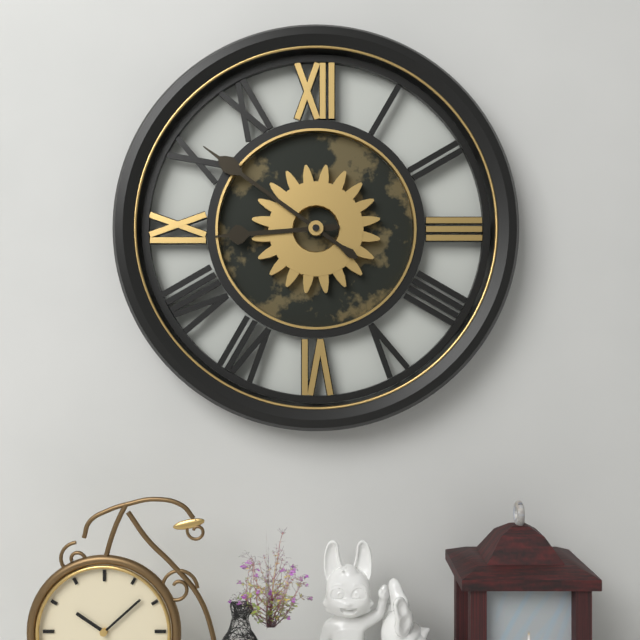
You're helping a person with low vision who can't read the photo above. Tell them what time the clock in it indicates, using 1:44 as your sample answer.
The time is 8:51
